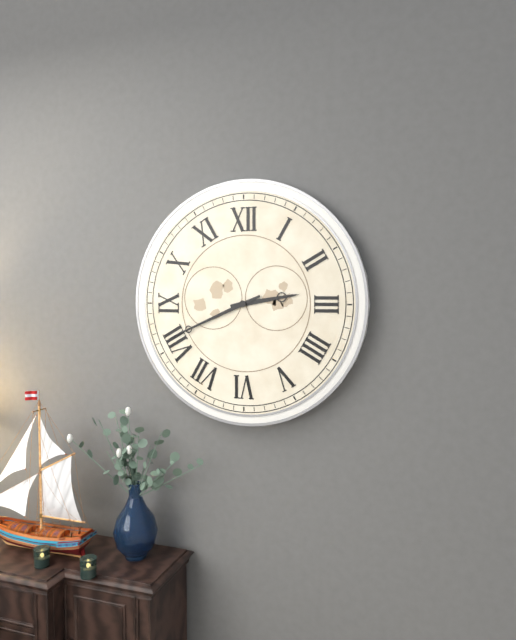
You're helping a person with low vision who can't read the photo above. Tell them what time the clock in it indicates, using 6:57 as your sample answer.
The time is 2:41
